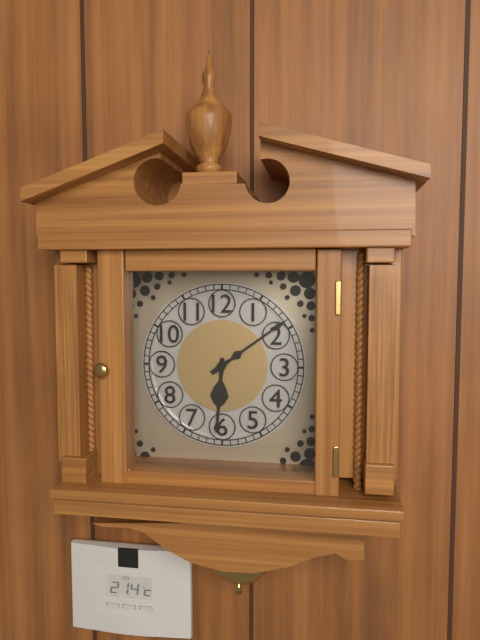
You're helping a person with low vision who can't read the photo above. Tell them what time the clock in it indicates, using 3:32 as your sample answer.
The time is 6:09
